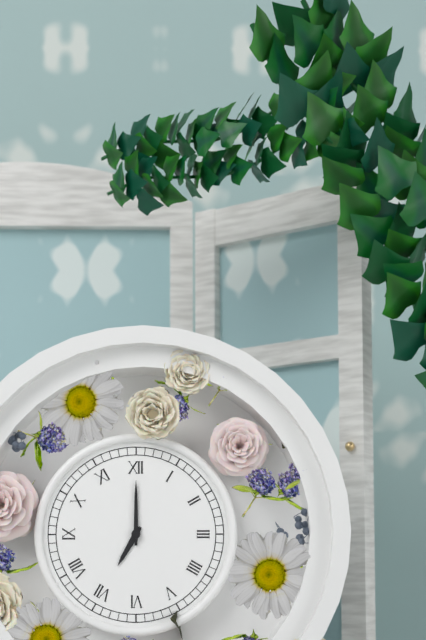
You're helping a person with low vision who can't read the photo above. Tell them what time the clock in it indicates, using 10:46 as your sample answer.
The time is 7:00
